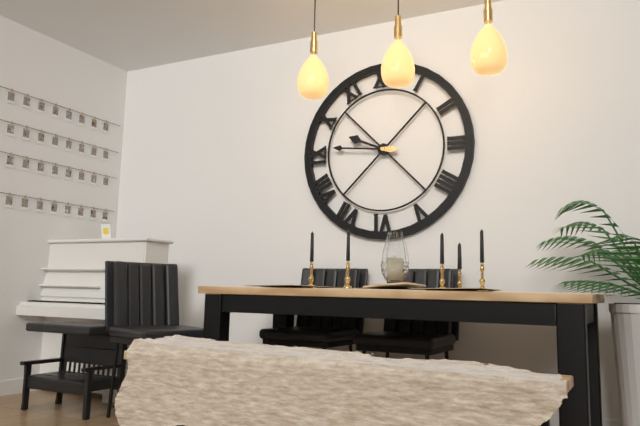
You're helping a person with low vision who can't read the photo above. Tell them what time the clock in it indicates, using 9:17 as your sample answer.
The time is 9:46
